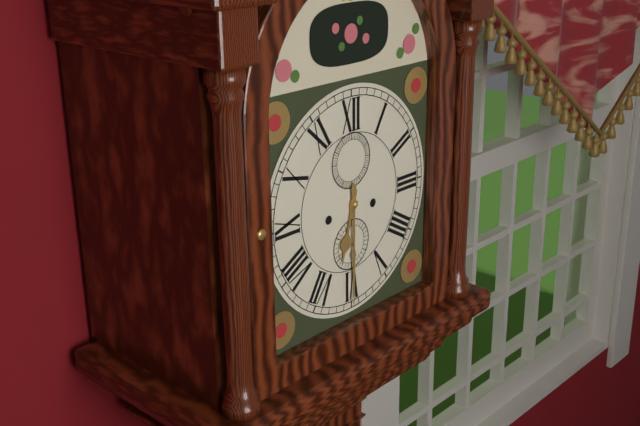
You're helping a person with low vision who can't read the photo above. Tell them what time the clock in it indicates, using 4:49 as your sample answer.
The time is 6:30
